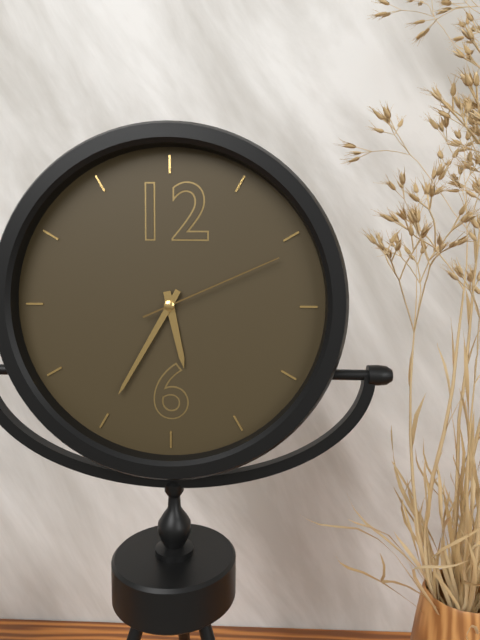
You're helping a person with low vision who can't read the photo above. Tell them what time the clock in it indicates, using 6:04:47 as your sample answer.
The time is 5:35:11
